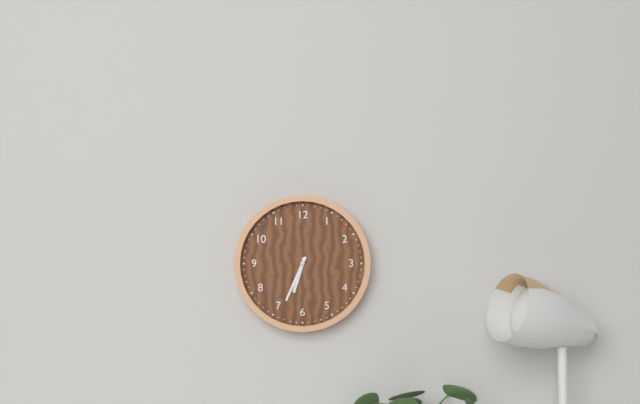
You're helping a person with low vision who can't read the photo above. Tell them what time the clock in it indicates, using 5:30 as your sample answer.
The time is 6:34
